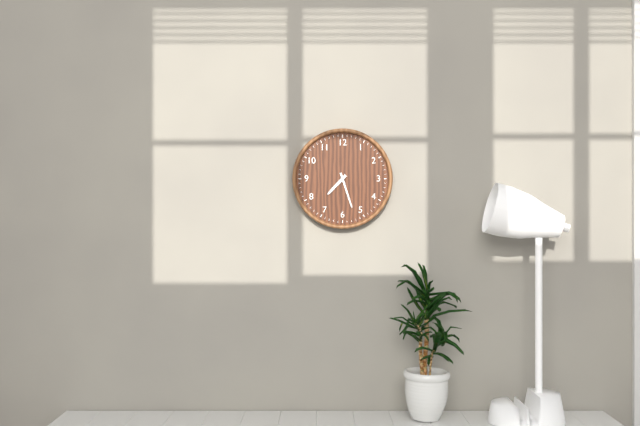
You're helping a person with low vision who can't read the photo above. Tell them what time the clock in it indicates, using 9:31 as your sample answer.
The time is 7:27
